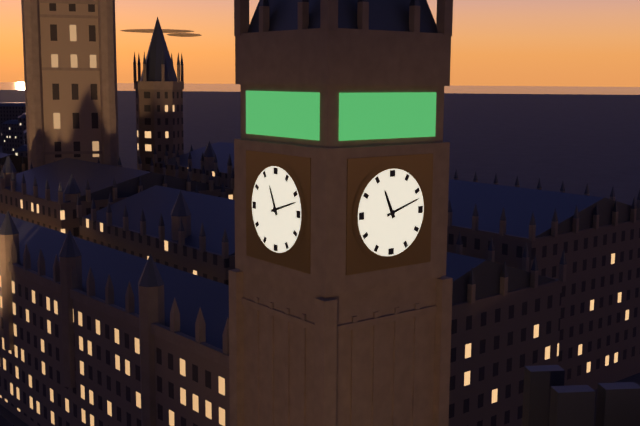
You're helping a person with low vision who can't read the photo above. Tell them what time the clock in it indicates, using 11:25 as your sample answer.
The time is 11:12
